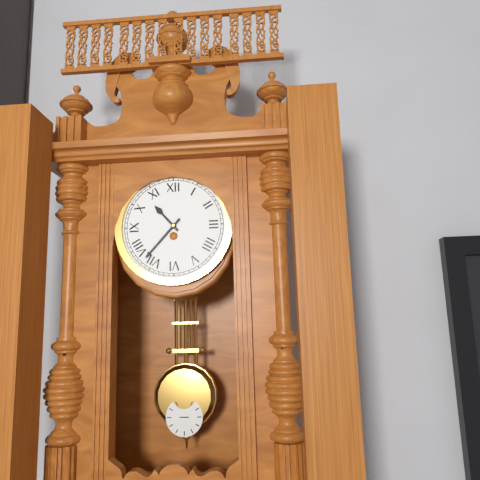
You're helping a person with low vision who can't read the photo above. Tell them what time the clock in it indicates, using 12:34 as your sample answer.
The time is 10:37
